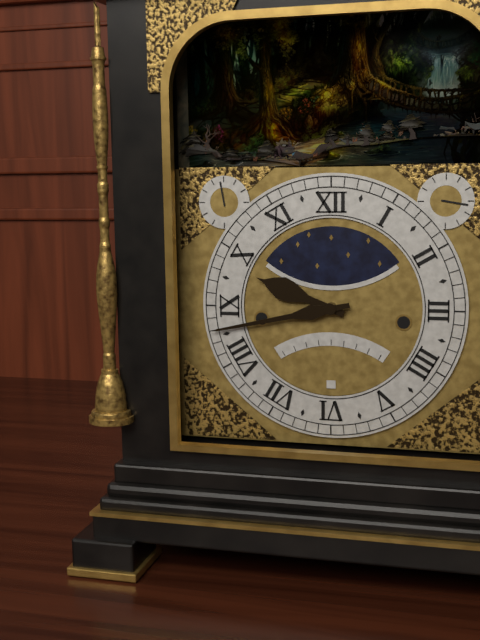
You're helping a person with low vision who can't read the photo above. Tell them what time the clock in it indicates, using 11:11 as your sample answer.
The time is 9:43
